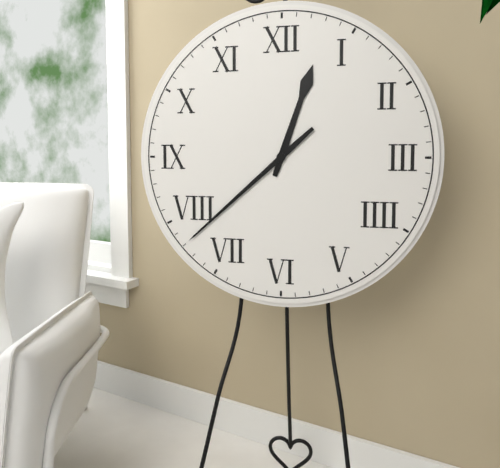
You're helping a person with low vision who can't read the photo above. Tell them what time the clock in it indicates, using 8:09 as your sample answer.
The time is 12:38
